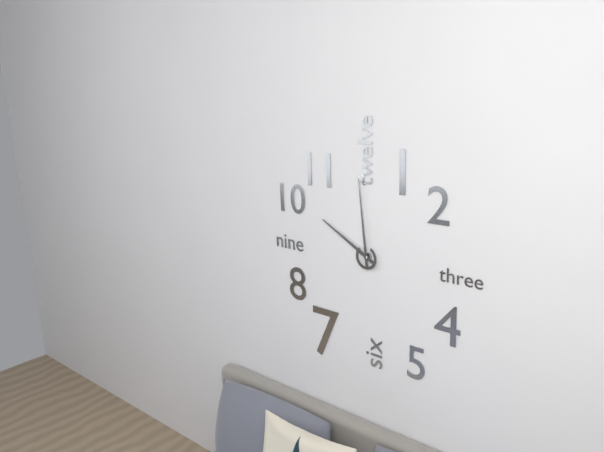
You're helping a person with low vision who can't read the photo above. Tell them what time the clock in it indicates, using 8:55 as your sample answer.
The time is 9:59
